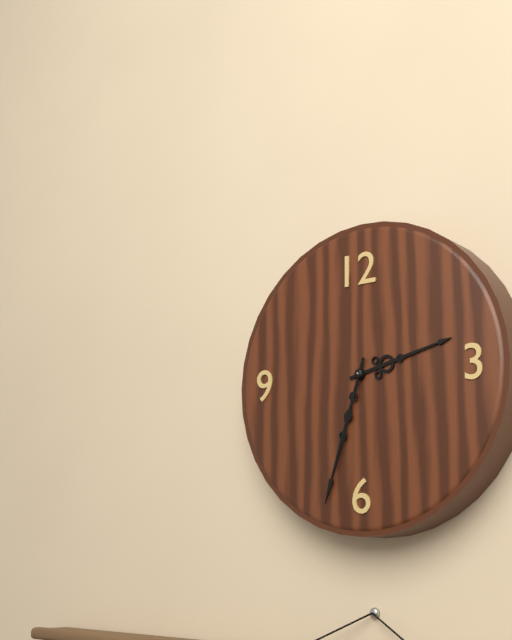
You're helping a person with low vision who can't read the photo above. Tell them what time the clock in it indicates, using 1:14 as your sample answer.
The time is 2:33
